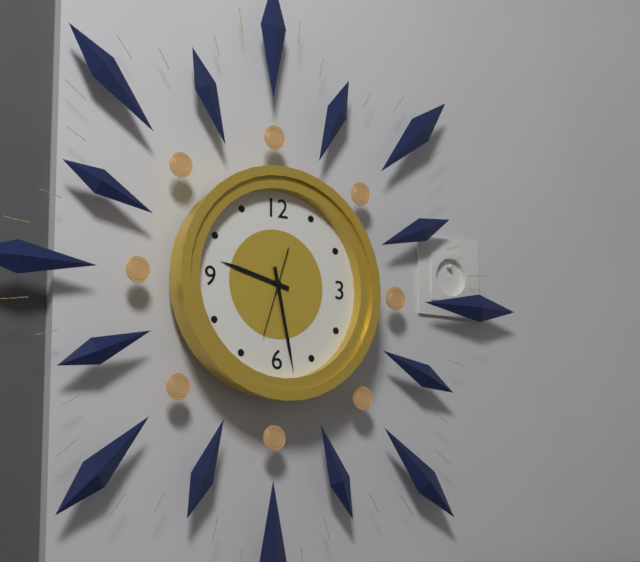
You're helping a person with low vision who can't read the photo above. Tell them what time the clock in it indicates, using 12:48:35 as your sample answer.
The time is 9:28:33
